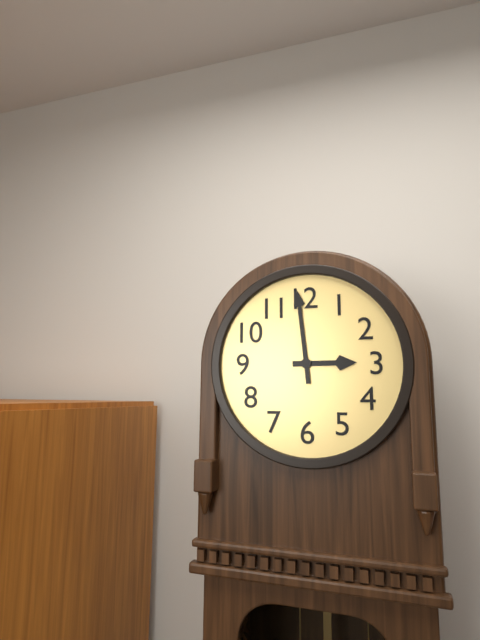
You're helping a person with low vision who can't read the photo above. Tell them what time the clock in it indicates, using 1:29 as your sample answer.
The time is 2:59
